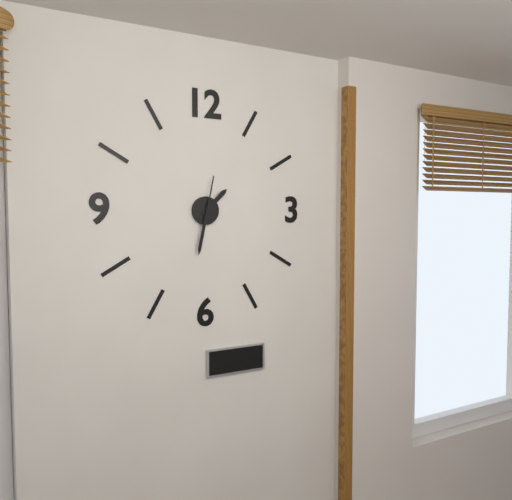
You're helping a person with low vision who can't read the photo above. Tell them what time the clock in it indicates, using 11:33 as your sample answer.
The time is 1:32
